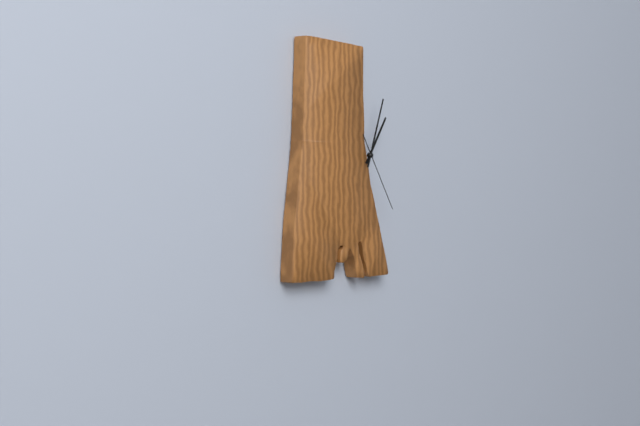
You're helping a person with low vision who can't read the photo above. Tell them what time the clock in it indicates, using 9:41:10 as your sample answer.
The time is 1:03:25
